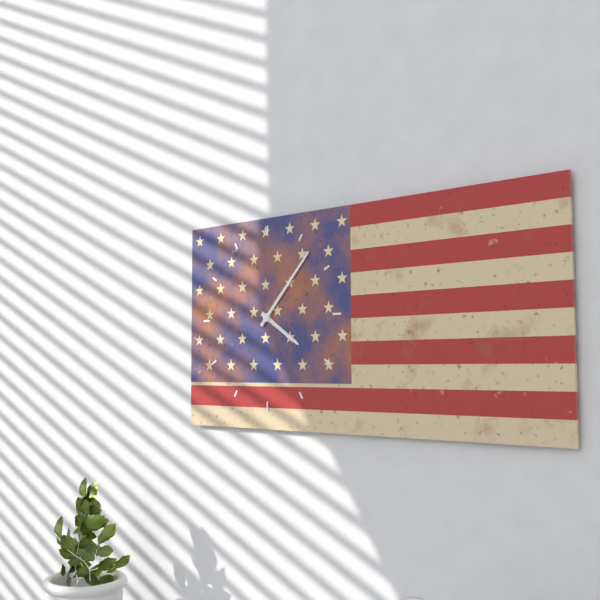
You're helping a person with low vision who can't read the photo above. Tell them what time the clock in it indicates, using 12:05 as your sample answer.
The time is 4:07
